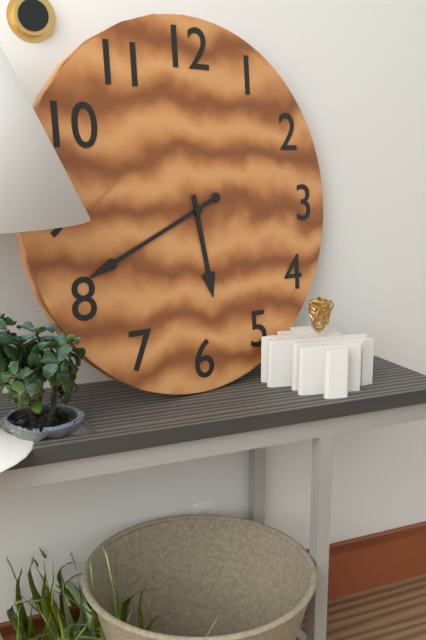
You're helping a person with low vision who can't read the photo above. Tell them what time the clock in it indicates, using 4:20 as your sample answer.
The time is 5:41
